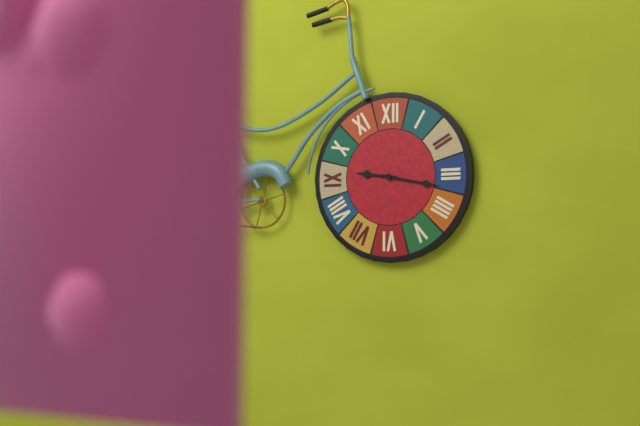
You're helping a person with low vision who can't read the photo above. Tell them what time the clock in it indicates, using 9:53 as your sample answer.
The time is 9:17
